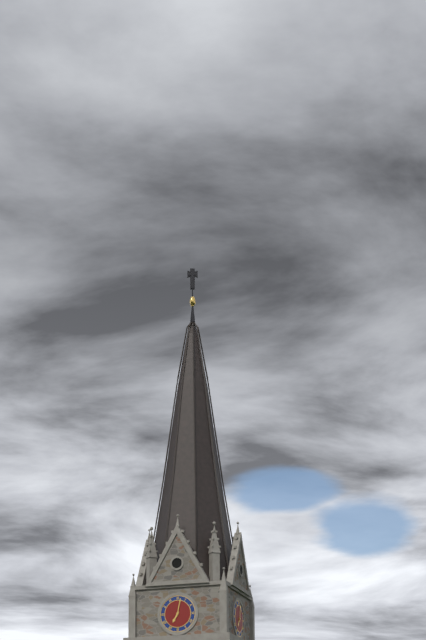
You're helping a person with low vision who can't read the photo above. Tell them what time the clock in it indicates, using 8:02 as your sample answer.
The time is 7:02
